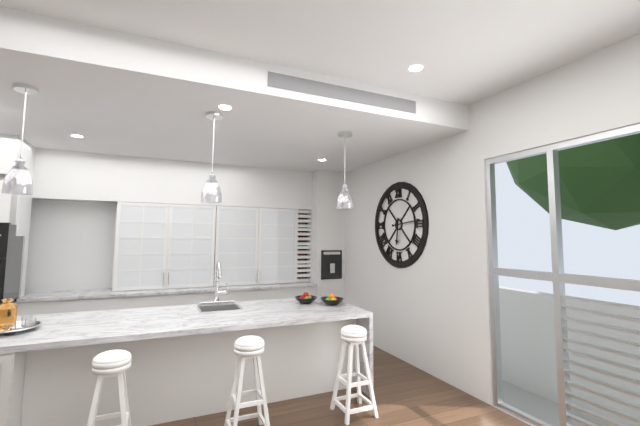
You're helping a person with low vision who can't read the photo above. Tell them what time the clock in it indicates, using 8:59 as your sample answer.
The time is 6:14
